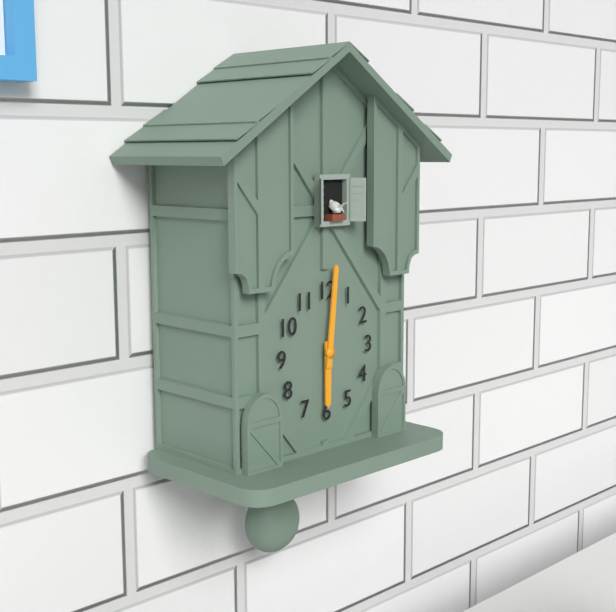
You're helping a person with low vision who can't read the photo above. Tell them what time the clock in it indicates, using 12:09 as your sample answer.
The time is 6:01
